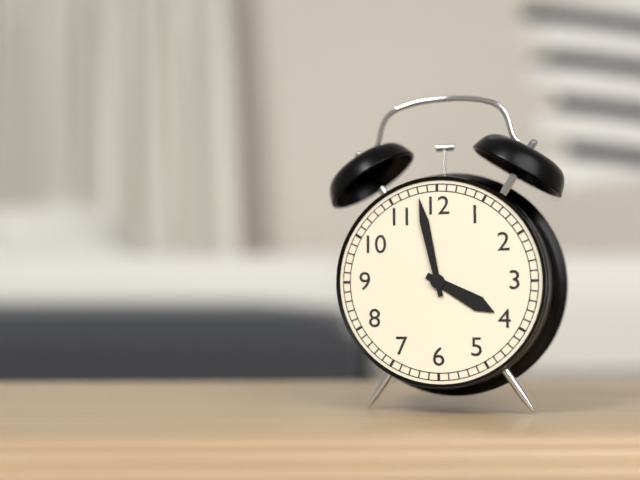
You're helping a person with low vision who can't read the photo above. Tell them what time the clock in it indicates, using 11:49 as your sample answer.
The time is 3:58
